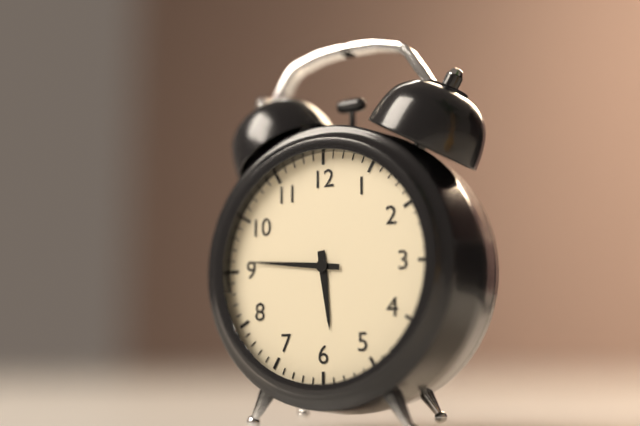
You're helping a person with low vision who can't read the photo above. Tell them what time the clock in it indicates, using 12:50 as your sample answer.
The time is 5:46
